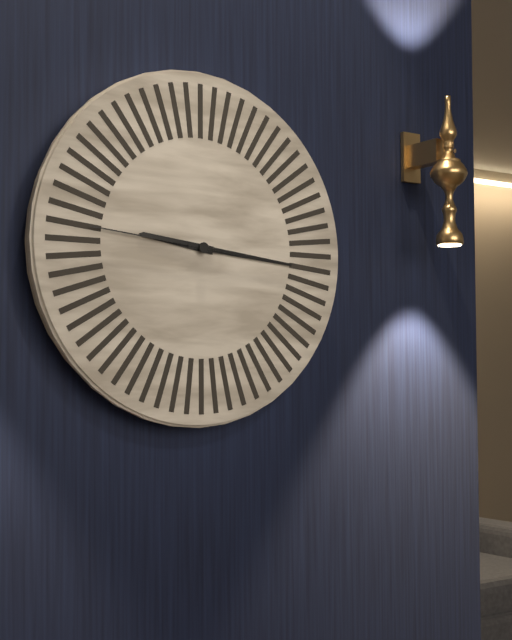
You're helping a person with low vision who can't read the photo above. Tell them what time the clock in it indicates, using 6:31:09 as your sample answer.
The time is 9:16:46
